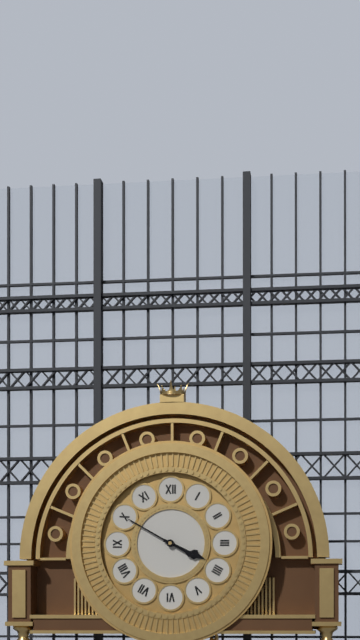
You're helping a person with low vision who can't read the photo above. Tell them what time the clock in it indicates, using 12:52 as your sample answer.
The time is 3:50
